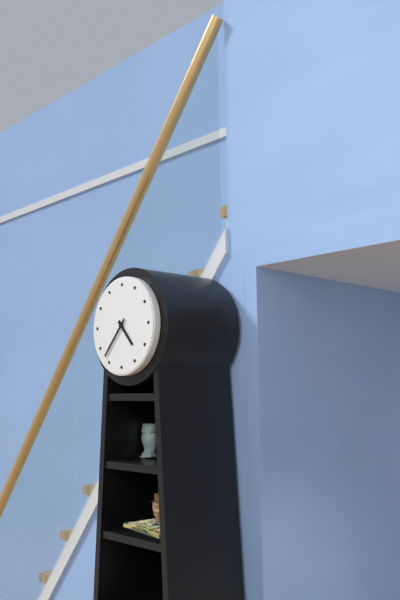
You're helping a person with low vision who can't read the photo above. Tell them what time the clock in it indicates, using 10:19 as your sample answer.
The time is 4:37
